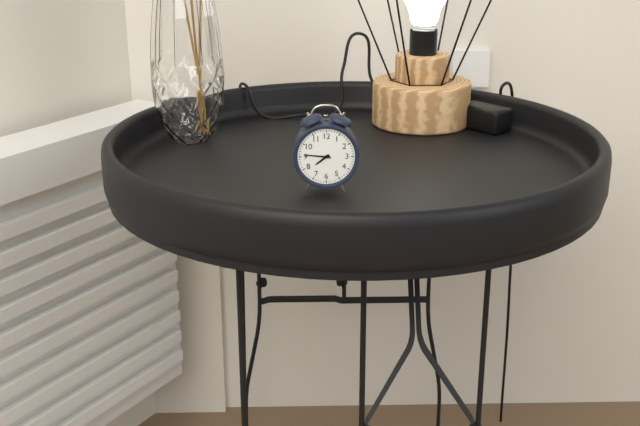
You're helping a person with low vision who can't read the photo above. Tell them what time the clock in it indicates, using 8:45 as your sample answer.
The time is 7:46
